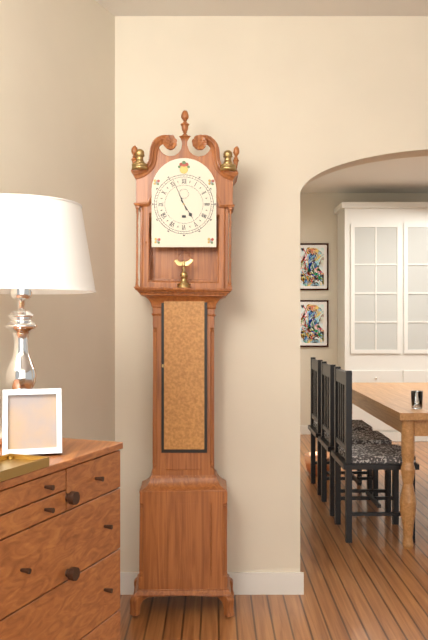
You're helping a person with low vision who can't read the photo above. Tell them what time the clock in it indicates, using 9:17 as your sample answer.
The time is 4:56
